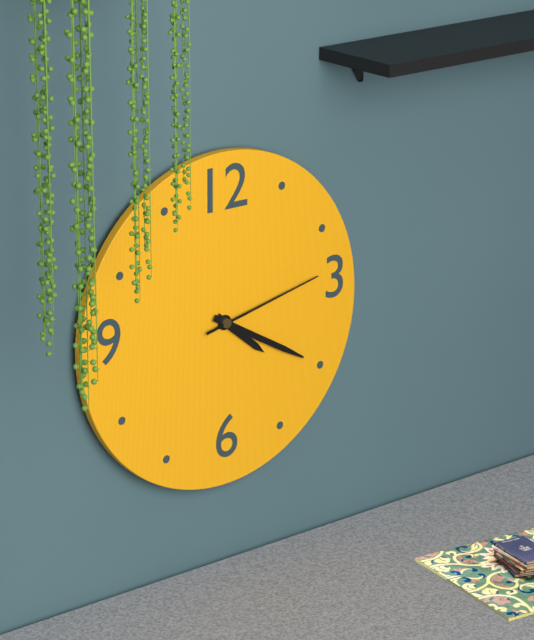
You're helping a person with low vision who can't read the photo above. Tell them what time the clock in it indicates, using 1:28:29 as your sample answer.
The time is 4:20:13
